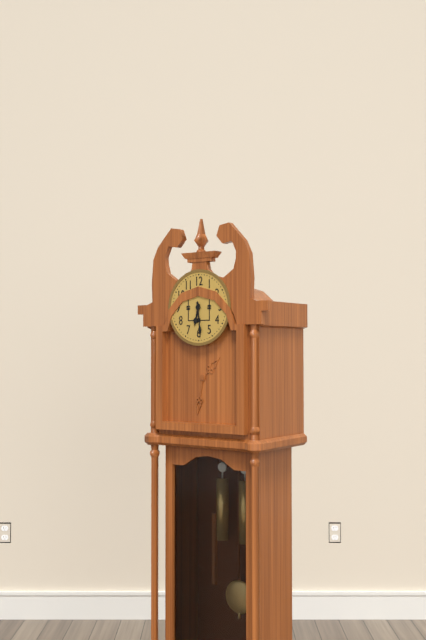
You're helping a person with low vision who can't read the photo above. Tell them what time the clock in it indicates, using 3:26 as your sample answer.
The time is 6:29
